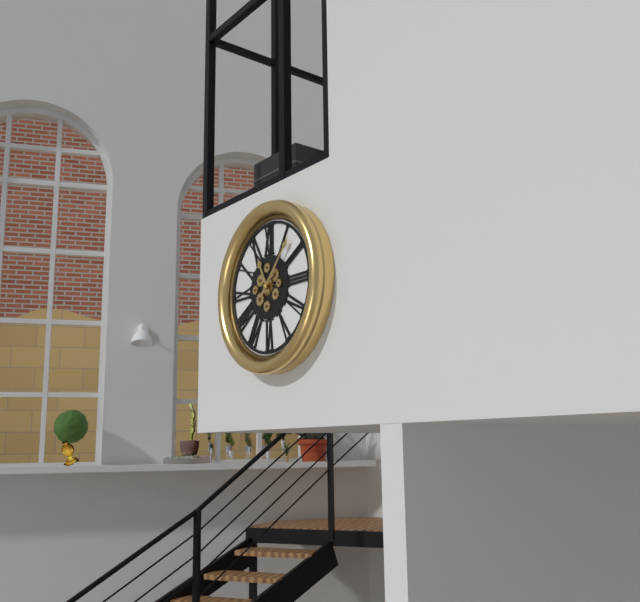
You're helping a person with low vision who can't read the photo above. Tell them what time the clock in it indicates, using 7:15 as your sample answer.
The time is 11:07
